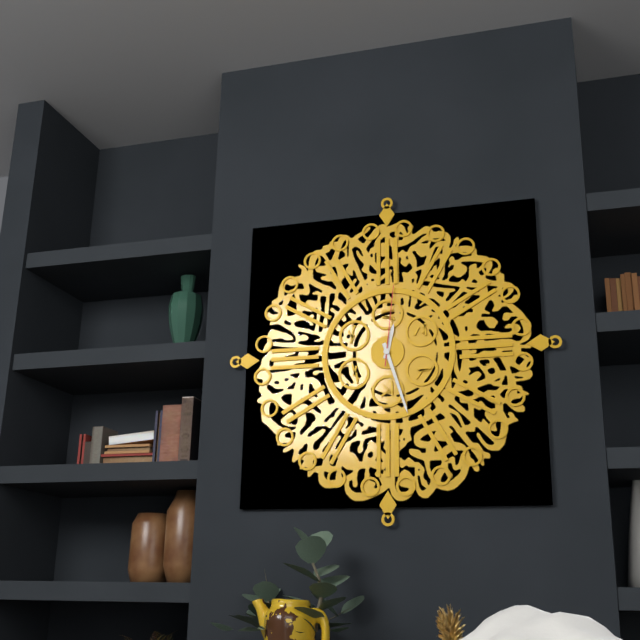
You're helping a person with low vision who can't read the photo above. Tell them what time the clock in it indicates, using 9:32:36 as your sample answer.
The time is 12:27:01
